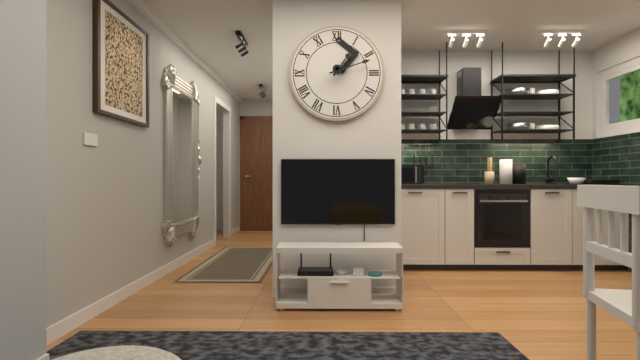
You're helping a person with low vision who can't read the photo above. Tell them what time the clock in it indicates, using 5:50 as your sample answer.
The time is 1:12
